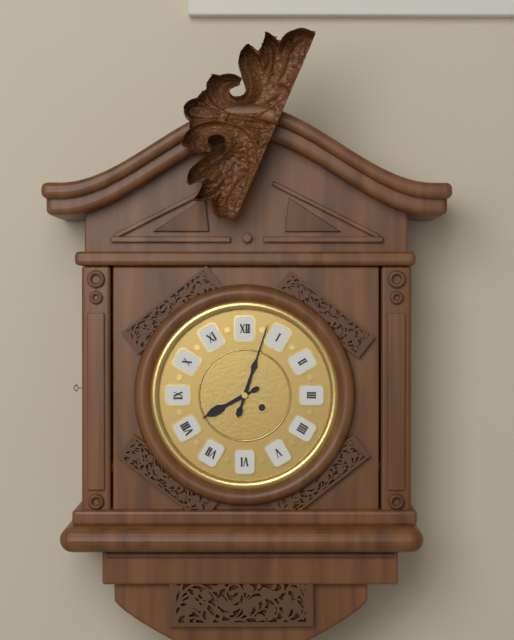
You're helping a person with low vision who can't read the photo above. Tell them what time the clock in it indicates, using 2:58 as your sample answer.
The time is 8:03
